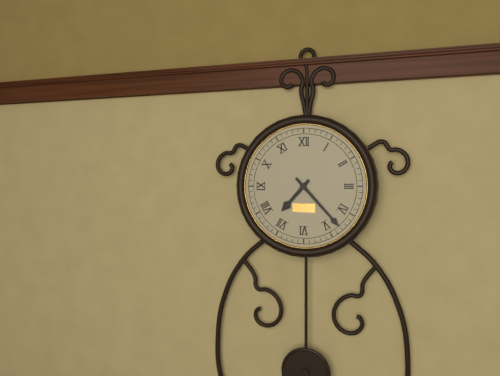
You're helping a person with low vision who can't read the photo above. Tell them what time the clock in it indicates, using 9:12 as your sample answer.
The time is 7:23
